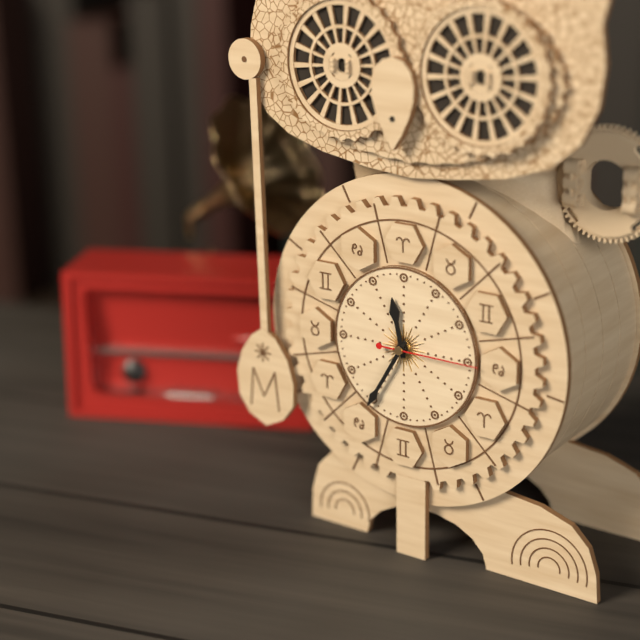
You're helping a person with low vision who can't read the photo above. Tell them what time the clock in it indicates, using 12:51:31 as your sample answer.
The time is 11:35:15
